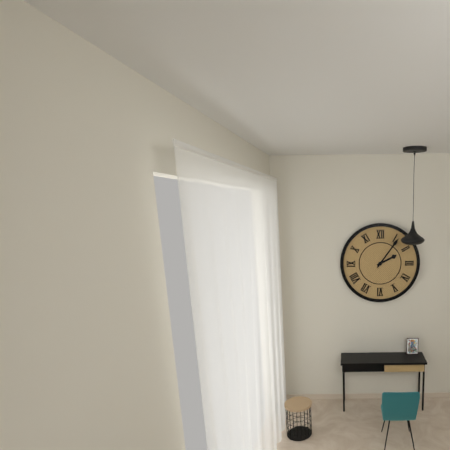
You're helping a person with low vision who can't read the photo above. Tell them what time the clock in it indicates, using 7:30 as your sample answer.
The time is 2:06
